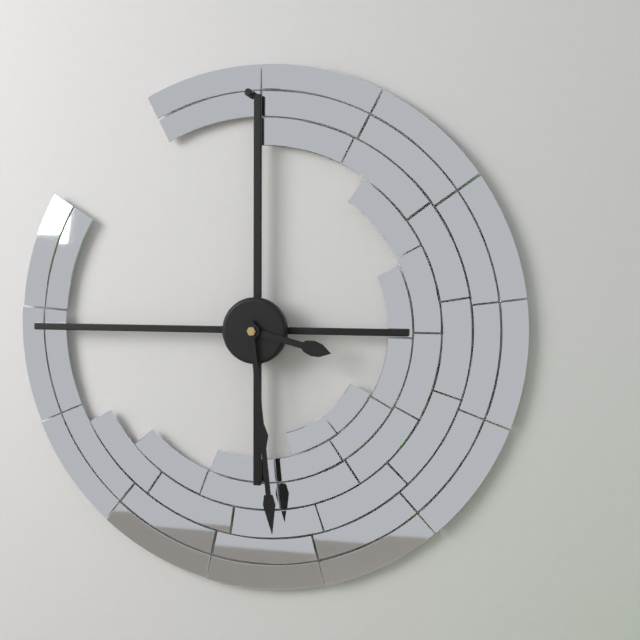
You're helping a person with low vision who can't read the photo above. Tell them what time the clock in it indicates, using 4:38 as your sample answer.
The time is 3:29
